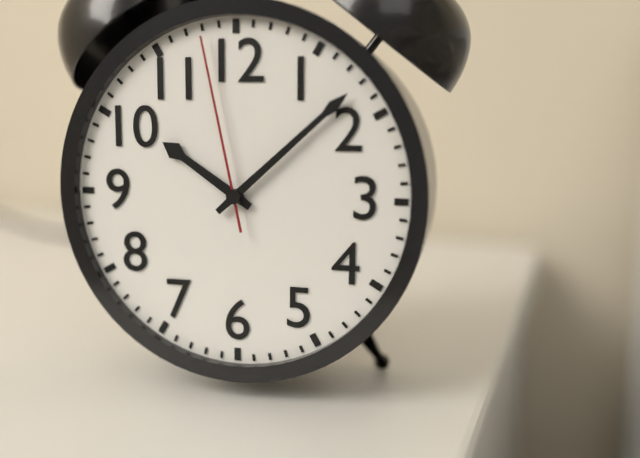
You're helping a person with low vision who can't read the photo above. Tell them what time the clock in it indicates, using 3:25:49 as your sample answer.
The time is 10:08:58
